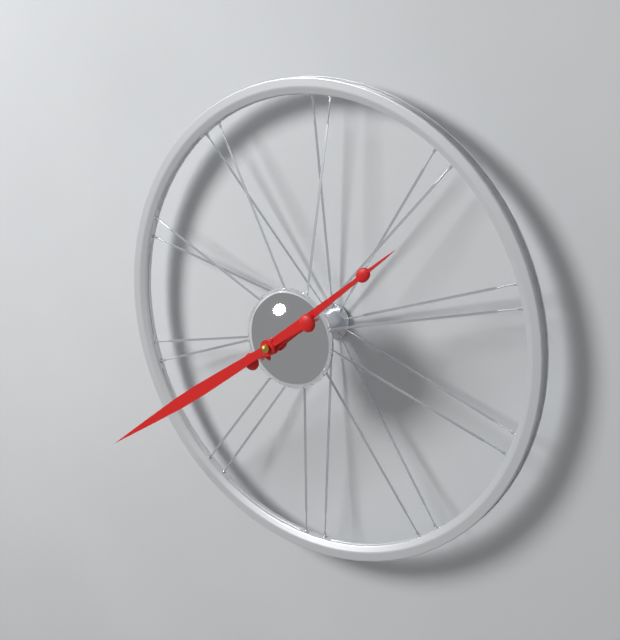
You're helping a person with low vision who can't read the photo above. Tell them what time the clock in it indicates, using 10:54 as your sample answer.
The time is 1:39
